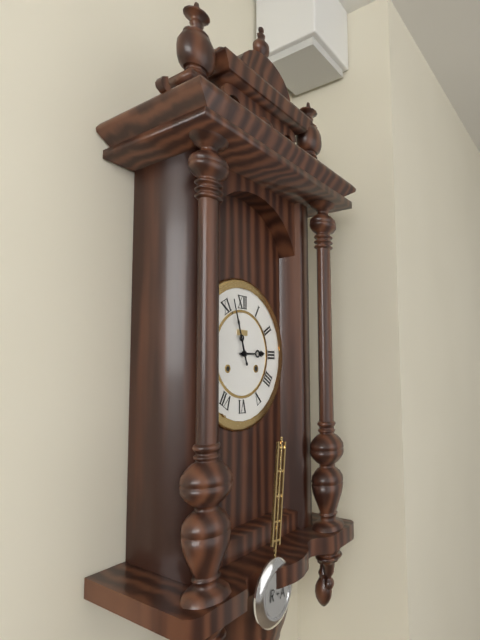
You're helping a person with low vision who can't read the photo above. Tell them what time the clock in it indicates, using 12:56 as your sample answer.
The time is 2:57
